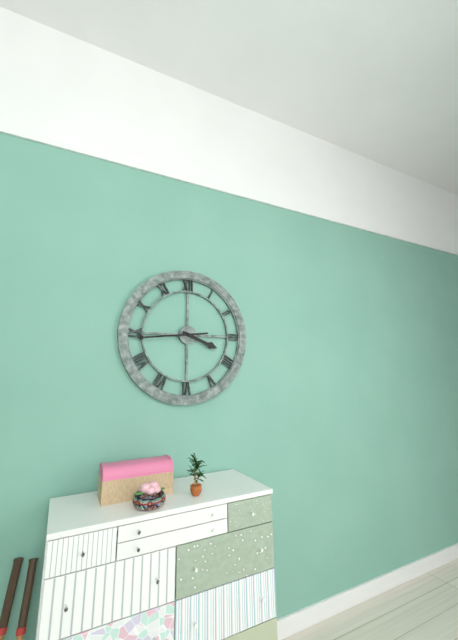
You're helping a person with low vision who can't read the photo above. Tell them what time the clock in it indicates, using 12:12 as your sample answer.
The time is 3:44
